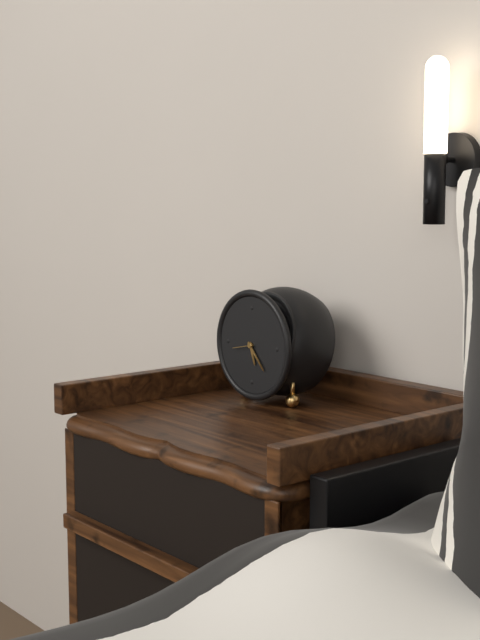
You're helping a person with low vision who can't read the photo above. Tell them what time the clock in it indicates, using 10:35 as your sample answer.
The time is 5:23
